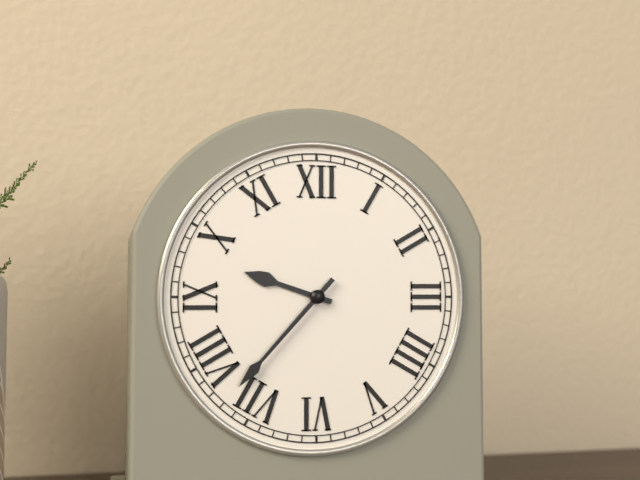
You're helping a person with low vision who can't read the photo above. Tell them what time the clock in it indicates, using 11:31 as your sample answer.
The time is 9:37
